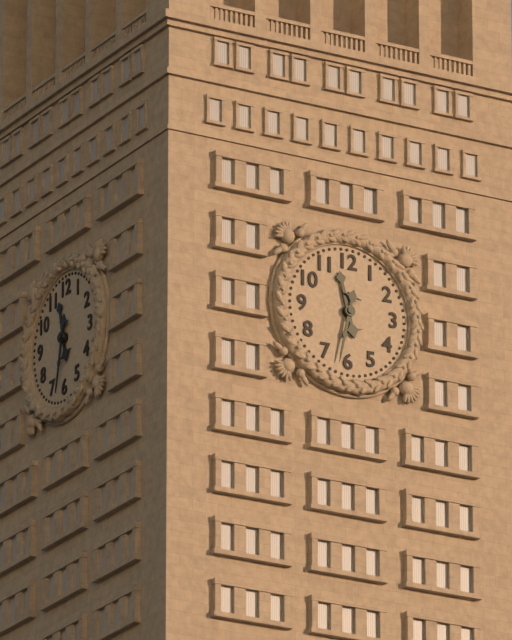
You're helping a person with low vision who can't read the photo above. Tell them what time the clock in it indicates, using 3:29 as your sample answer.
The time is 11:32
